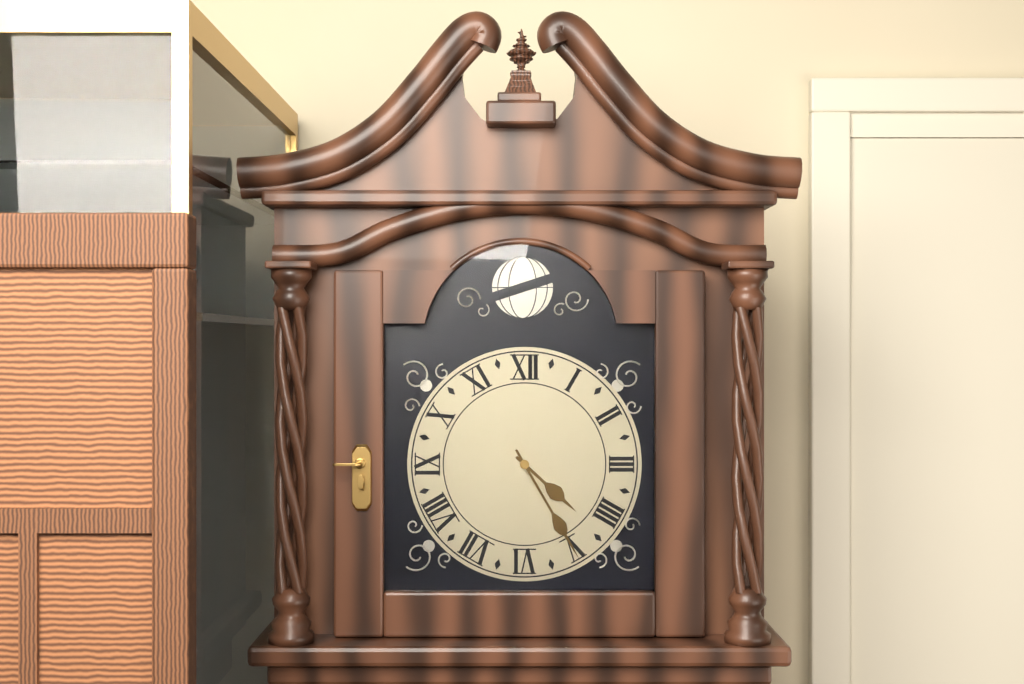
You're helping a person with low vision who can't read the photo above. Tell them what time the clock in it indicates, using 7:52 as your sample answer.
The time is 4:25
